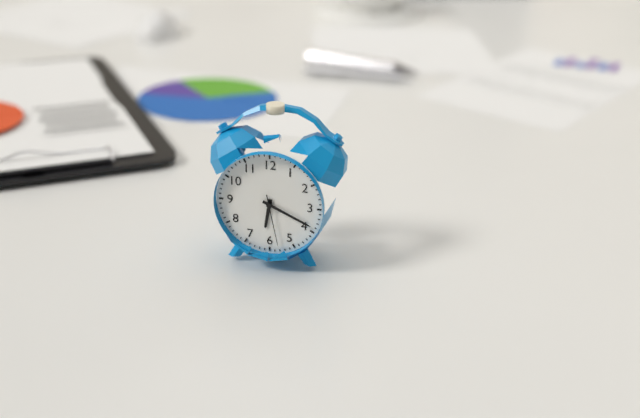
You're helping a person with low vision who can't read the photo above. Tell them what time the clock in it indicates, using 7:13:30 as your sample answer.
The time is 6:19:28
